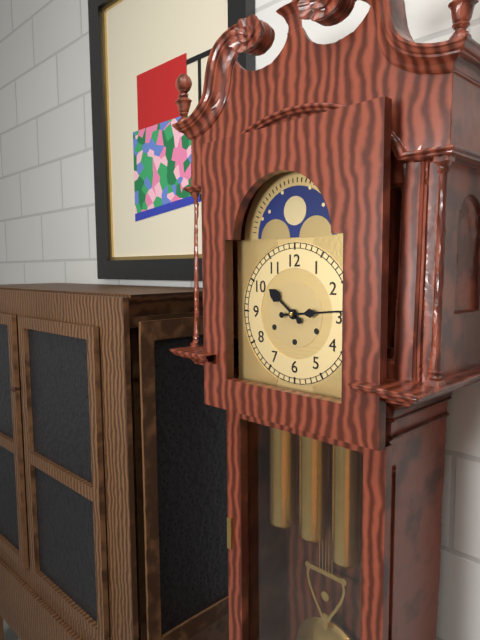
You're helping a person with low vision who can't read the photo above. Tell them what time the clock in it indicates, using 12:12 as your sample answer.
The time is 10:14
